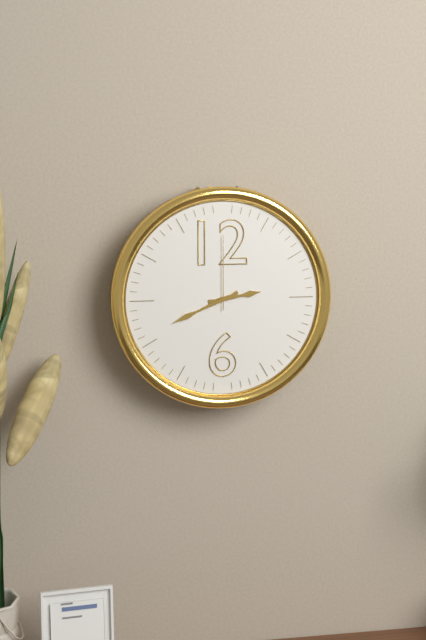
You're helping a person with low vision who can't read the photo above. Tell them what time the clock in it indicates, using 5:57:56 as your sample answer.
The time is 2:41:00
